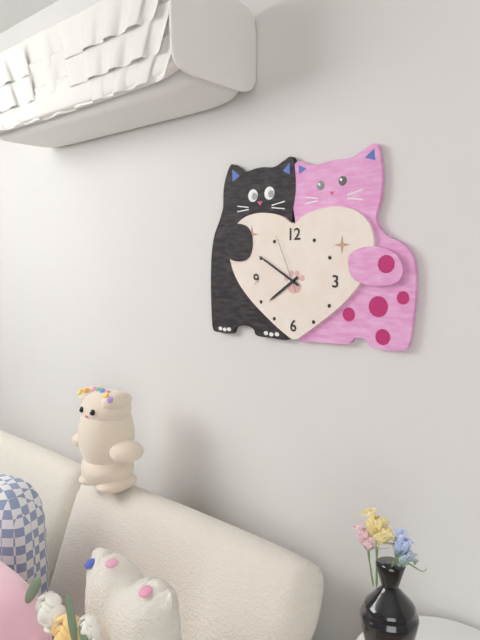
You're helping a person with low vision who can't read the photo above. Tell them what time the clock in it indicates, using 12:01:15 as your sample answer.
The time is 7:50:56
